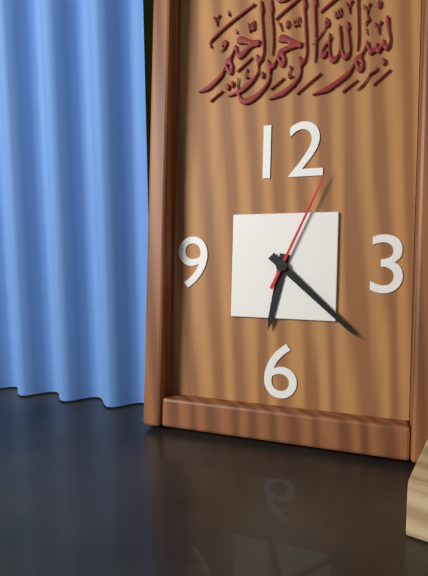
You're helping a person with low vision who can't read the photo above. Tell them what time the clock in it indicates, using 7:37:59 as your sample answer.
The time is 6:22:04
